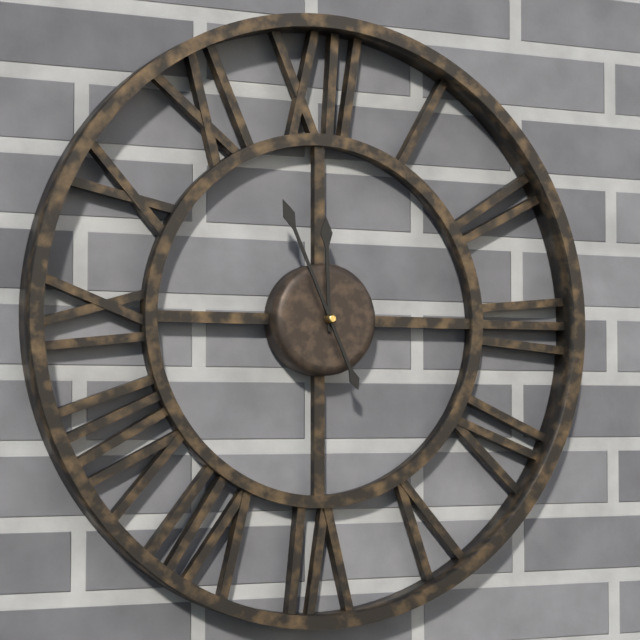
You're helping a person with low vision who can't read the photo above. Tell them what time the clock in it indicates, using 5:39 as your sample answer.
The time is 11:56
